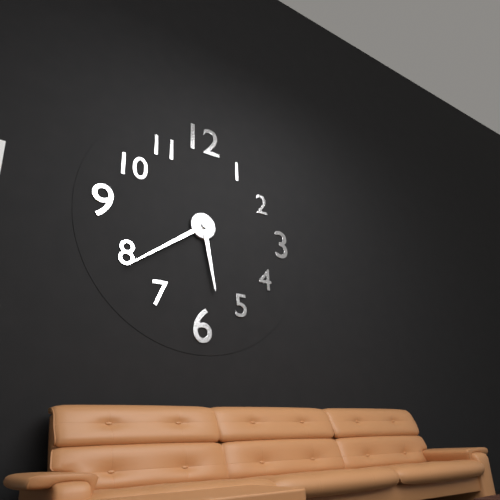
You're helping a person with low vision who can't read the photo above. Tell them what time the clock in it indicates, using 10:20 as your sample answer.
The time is 5:39
